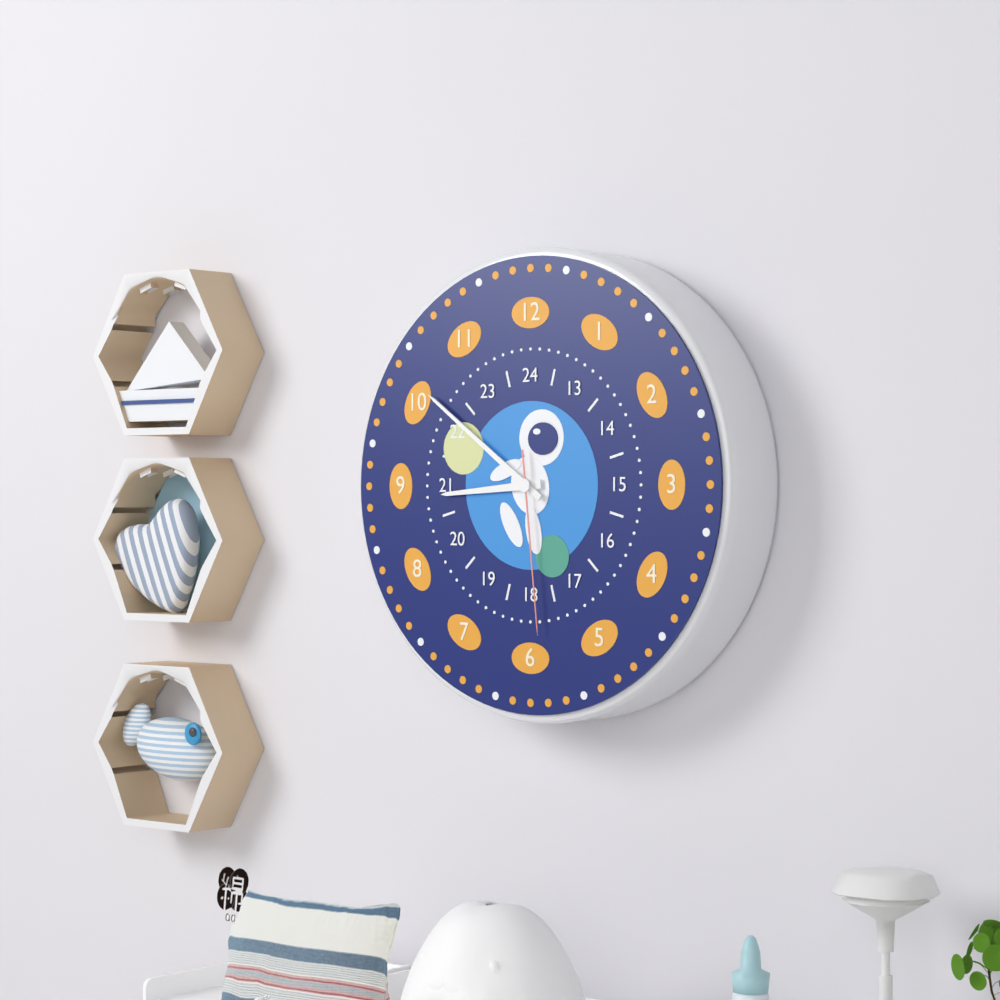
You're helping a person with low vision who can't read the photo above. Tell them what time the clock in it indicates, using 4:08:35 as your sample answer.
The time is 8:51:29
